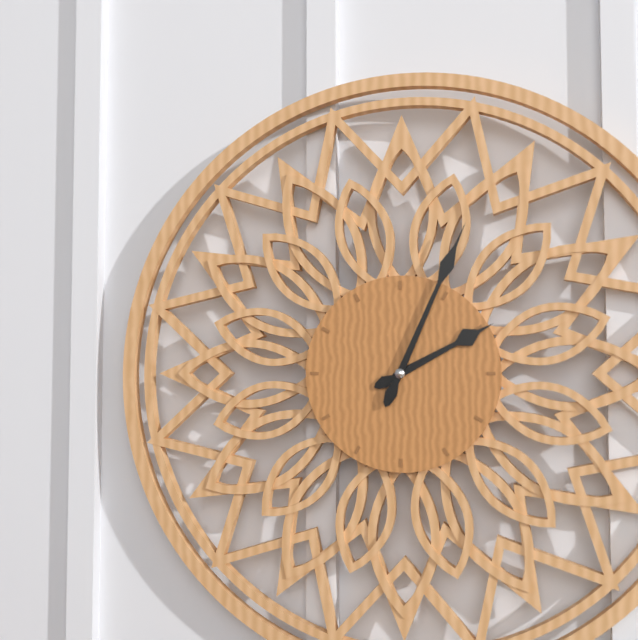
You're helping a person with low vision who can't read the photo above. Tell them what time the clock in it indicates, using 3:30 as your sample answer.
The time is 2:04
